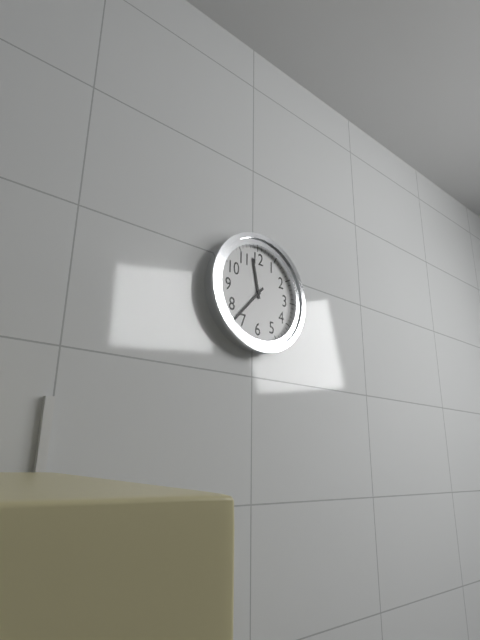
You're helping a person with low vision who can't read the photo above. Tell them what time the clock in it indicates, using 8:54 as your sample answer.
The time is 11:37
